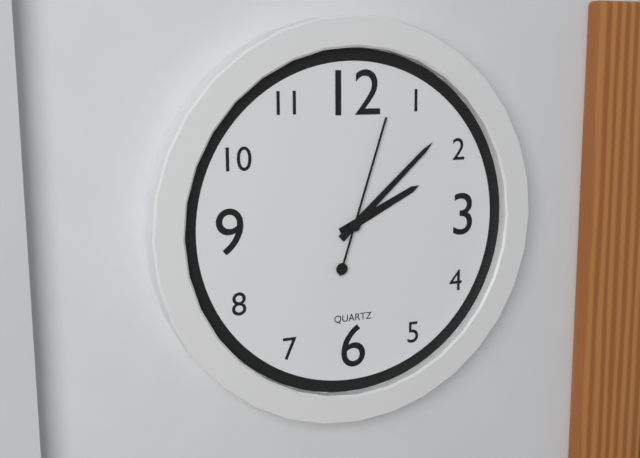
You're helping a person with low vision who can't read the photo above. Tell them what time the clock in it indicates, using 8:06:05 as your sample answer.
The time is 2:08:03
